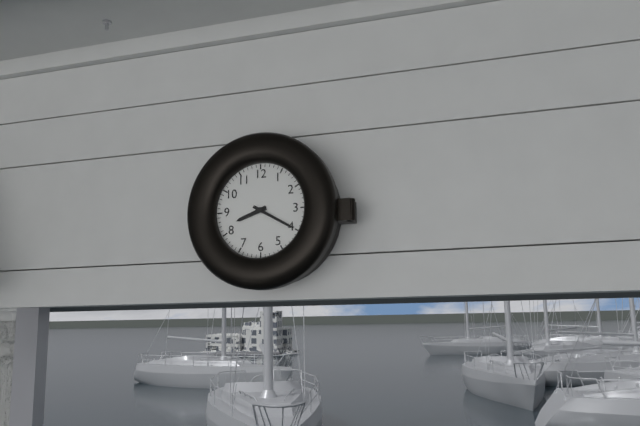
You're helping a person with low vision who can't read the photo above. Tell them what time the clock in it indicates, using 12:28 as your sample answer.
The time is 8:20
